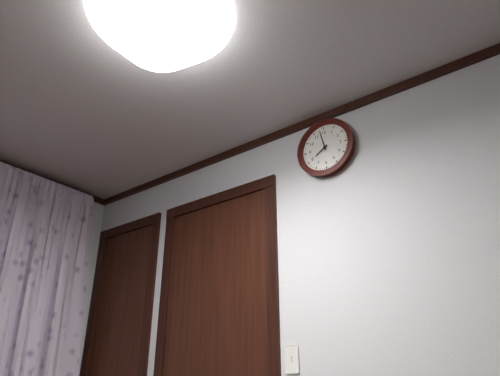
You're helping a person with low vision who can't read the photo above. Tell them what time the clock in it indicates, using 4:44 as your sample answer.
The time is 7:58
